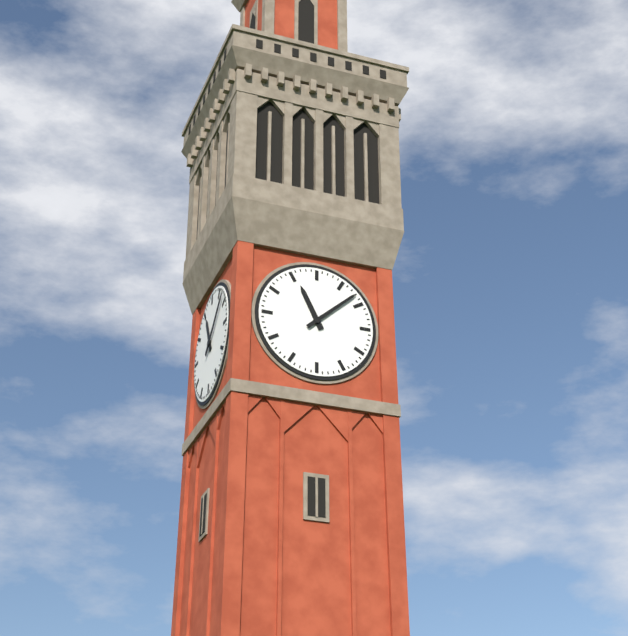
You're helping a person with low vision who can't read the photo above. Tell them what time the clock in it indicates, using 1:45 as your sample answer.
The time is 11:08
